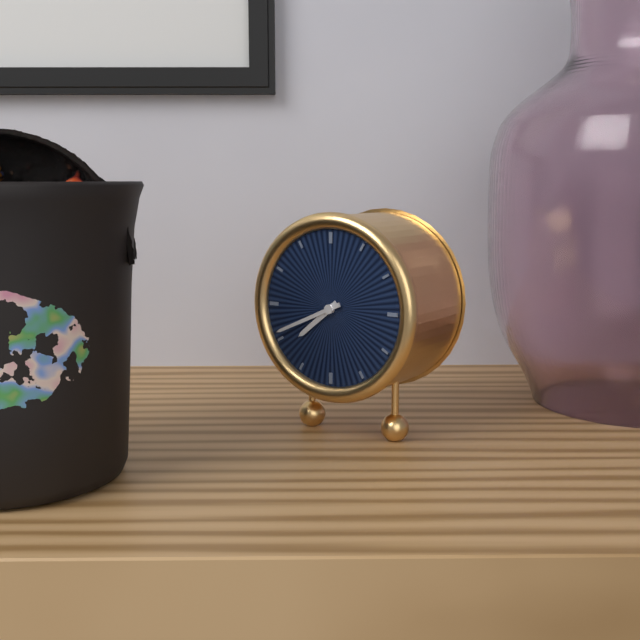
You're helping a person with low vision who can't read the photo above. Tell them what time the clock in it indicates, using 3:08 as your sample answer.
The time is 7:41
